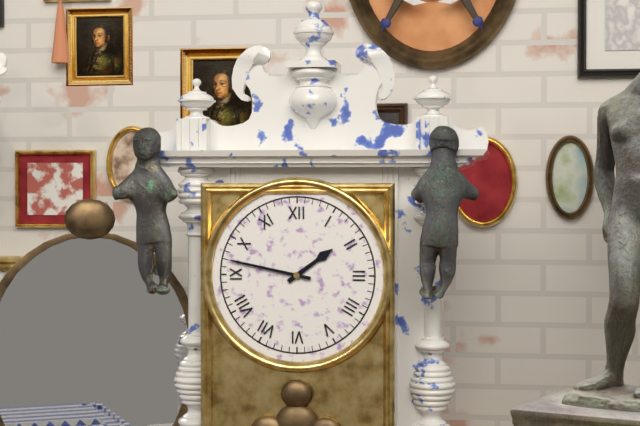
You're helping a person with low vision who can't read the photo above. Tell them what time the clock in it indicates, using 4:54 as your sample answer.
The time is 1:47
